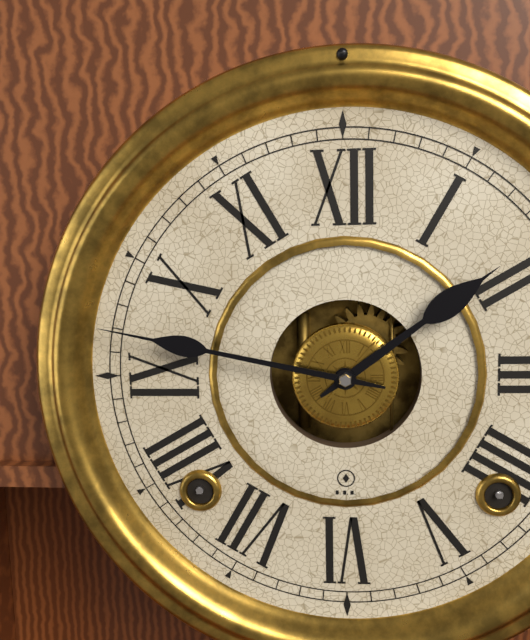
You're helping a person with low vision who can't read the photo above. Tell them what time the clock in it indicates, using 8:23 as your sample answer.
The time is 1:47
